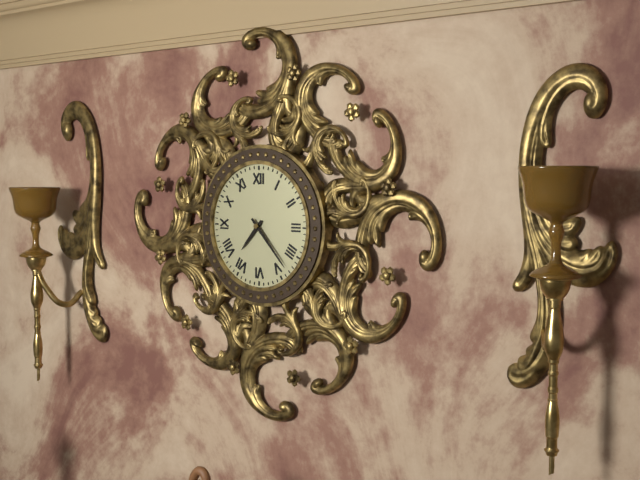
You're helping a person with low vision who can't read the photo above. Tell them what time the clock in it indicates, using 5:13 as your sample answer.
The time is 7:23
